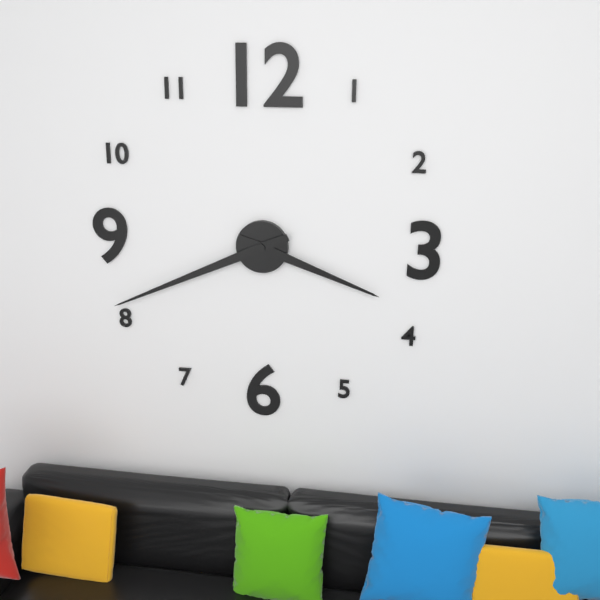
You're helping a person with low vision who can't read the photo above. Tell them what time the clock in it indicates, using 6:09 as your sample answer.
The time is 3:41
